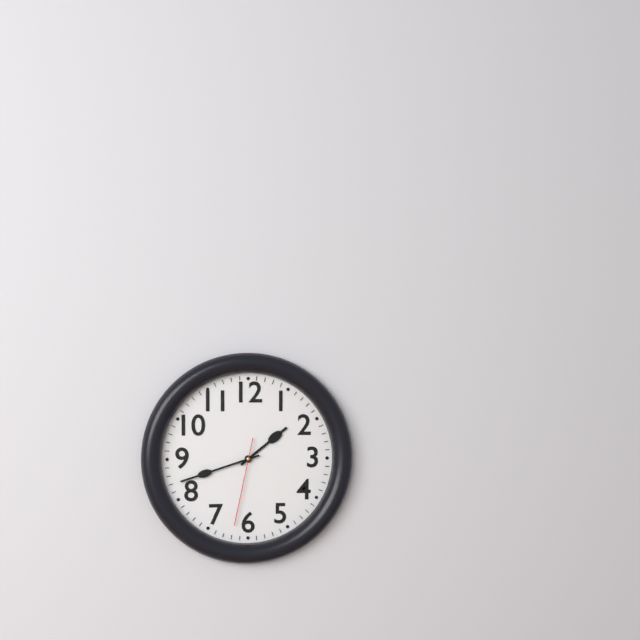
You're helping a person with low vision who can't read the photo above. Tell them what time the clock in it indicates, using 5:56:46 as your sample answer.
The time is 1:42:32
